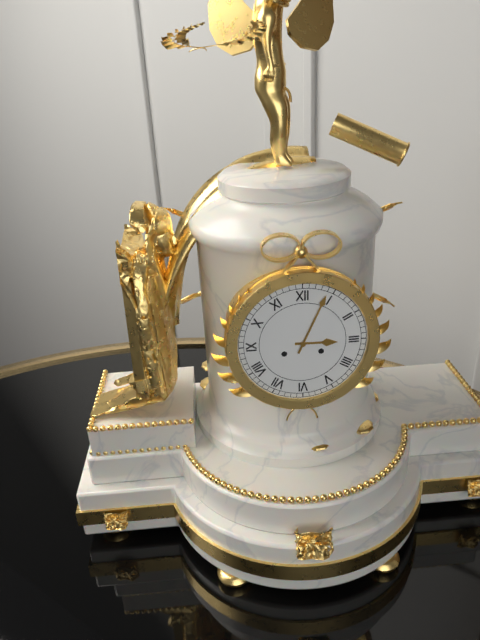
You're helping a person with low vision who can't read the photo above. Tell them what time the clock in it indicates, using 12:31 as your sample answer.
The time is 3:04
